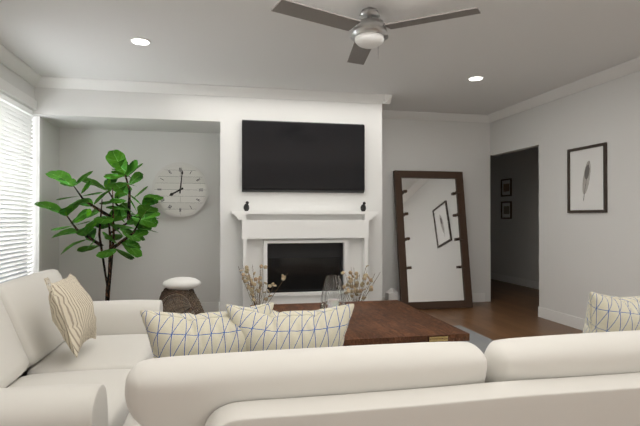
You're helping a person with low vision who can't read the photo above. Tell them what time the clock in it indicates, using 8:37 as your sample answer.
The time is 8:01
